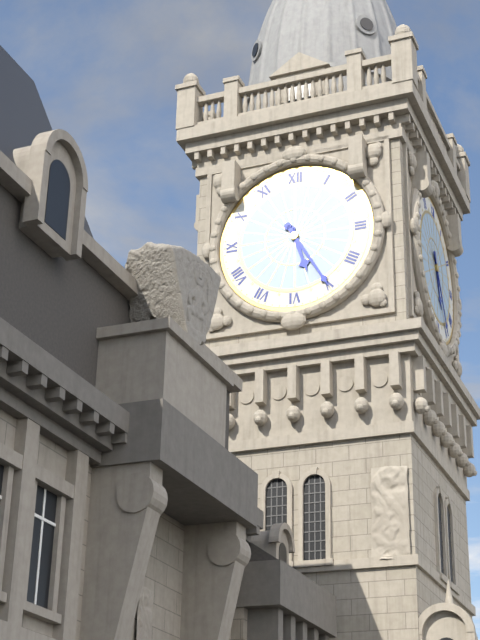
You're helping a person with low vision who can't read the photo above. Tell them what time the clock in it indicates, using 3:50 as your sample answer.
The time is 5:25
